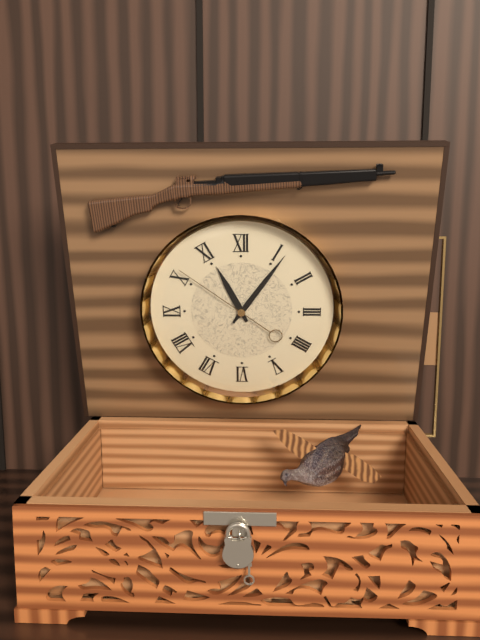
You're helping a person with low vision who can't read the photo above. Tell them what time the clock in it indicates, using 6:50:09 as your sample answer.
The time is 11:06:51
